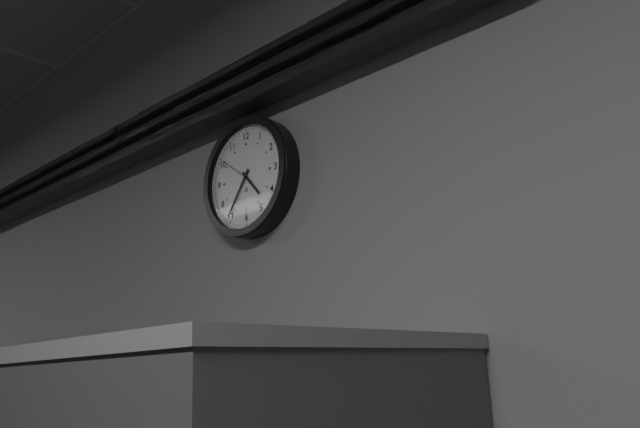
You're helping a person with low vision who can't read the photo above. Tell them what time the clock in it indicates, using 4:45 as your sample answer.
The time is 4:36
